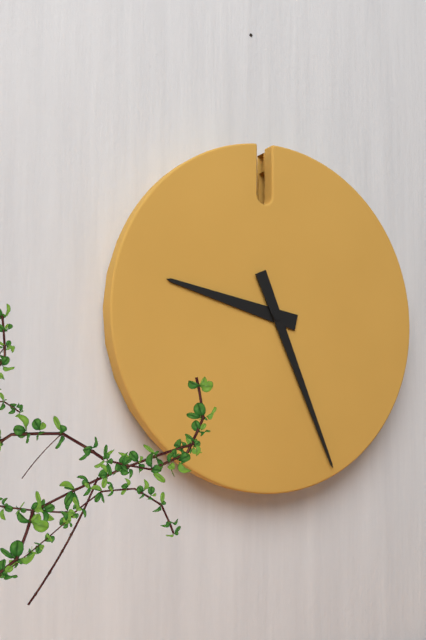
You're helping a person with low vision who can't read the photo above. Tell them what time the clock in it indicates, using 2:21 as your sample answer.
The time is 9:26
